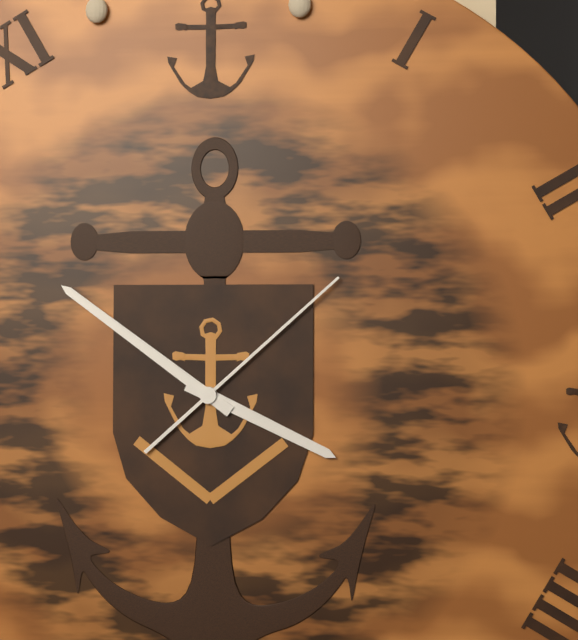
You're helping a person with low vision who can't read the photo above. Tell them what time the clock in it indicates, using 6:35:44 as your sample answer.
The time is 3:51:08
